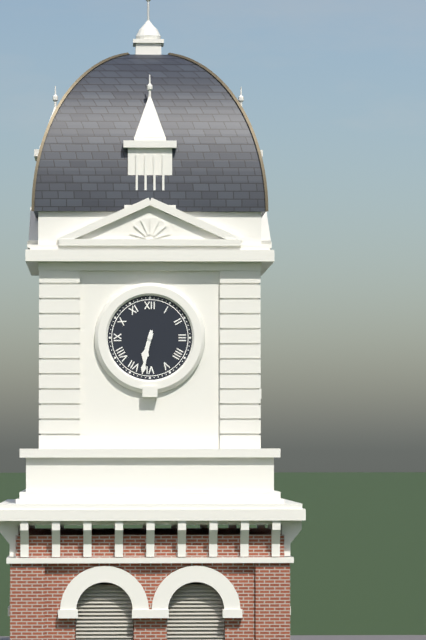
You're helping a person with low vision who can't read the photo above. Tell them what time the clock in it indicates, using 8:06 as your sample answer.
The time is 6:32
